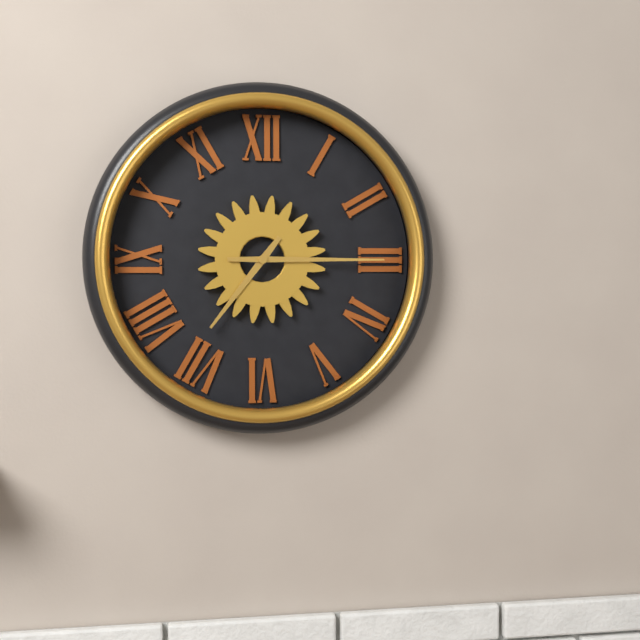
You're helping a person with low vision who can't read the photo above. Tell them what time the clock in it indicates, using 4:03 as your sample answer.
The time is 7:15
